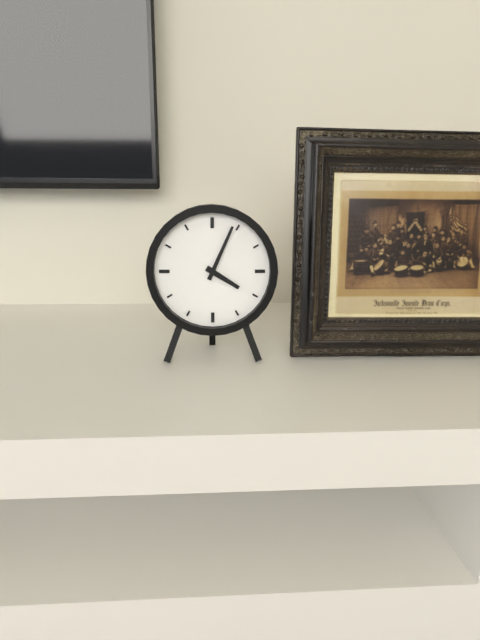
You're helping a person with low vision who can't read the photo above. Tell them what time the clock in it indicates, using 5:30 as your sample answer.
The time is 4:04
